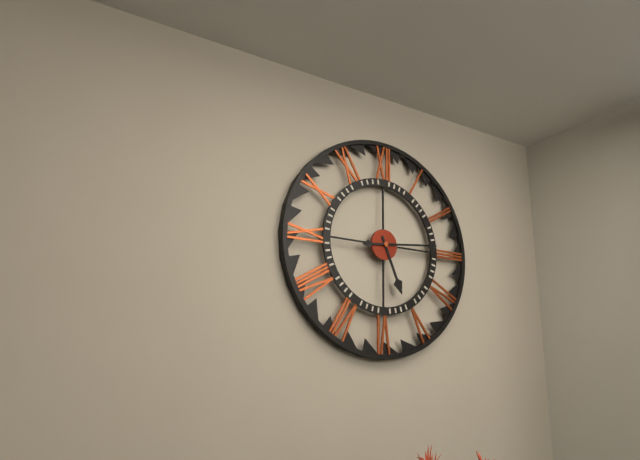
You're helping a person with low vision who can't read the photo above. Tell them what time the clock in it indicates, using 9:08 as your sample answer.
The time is 5:14
